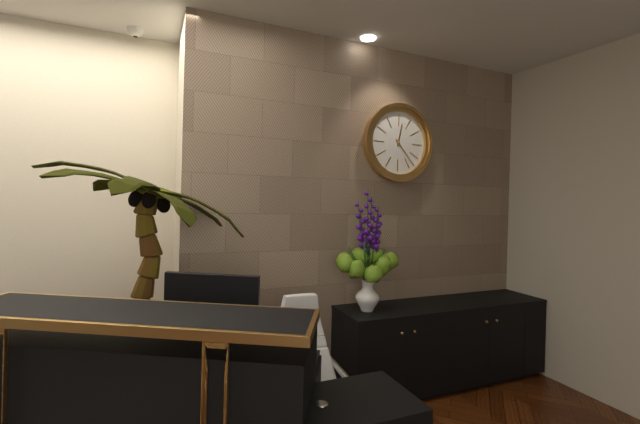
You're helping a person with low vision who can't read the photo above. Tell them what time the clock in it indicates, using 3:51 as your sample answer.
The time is 12:23
